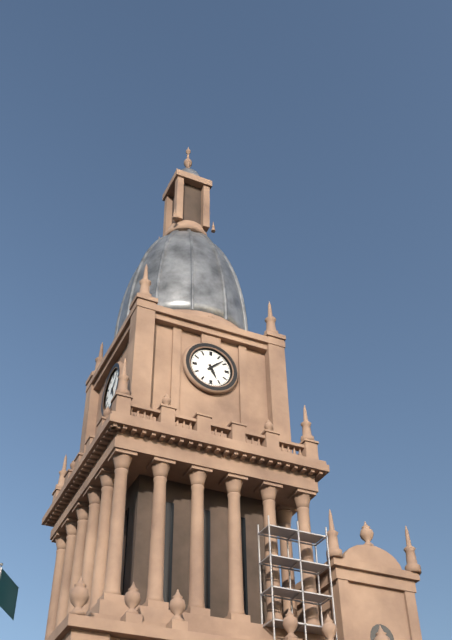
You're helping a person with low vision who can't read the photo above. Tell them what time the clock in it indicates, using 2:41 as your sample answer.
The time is 5:08
